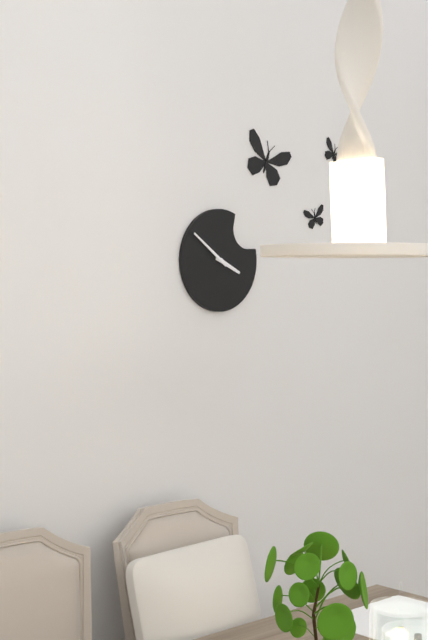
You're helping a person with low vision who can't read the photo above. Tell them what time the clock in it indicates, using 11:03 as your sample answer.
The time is 3:51
